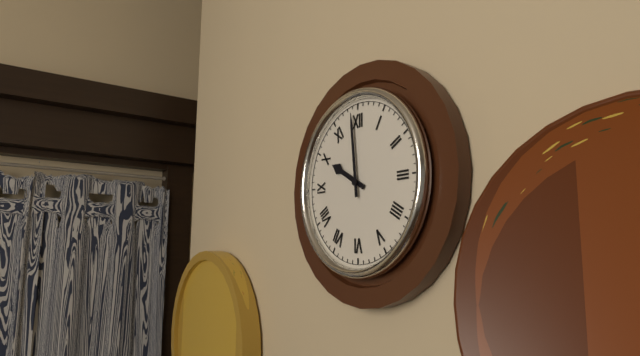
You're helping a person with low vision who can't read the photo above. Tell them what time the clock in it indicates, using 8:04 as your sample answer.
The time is 9:59
